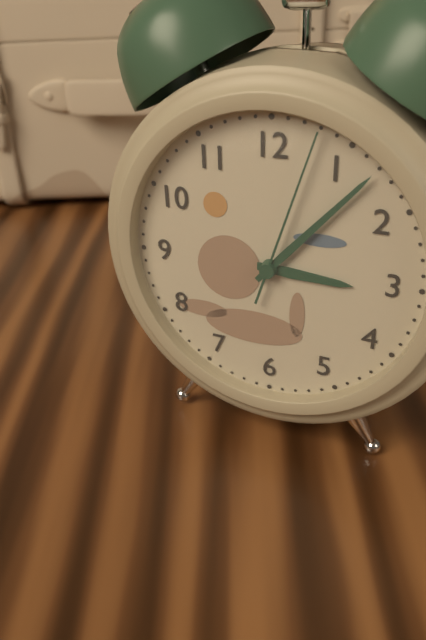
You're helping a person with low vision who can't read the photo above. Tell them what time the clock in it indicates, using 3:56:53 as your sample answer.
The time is 3:07:03
